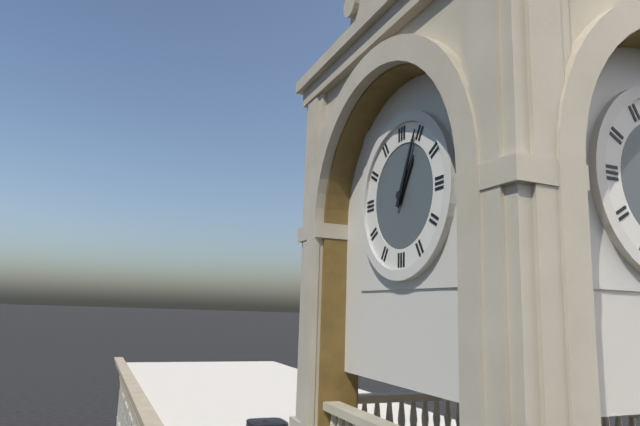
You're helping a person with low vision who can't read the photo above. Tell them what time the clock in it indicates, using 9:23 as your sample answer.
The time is 1:04
